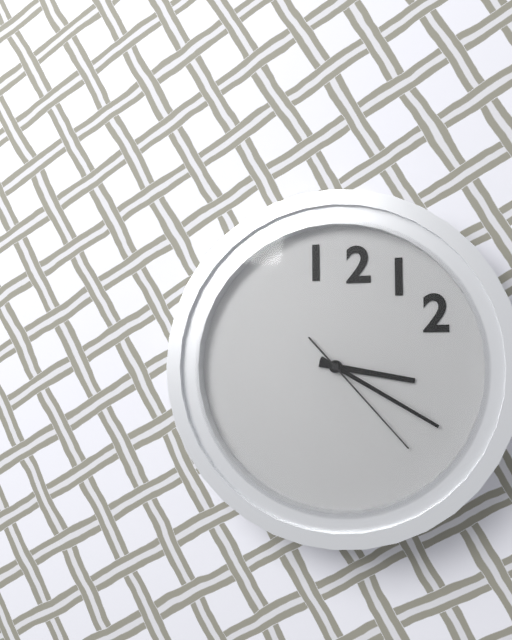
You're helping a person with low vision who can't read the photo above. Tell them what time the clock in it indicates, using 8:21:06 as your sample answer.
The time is 3:20:23
